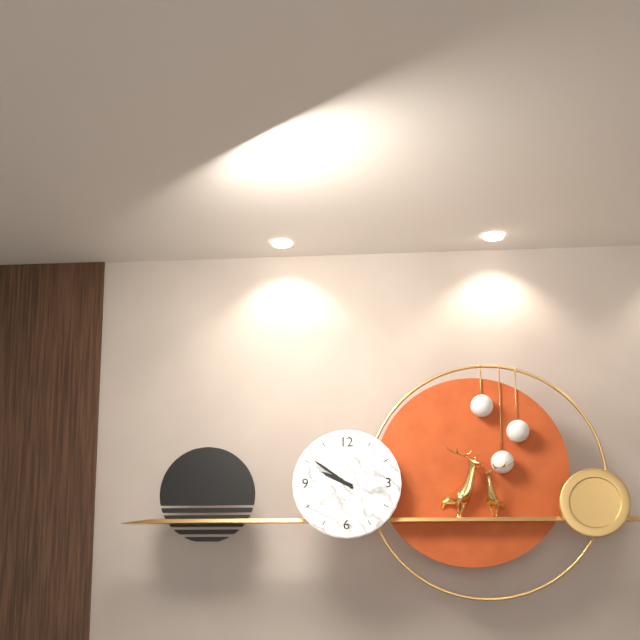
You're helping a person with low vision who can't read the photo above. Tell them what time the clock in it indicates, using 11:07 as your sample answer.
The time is 9:51
